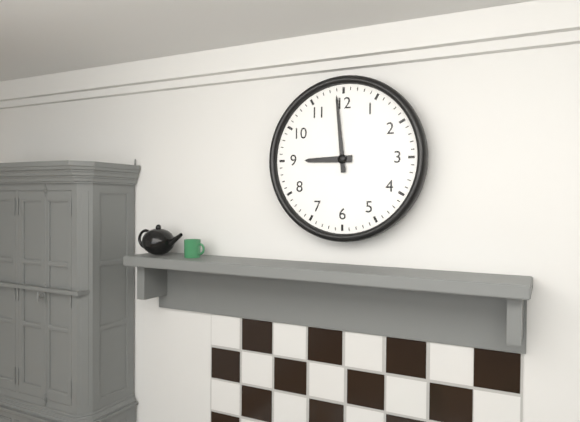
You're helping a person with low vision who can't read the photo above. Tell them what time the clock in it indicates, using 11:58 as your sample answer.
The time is 8:59
